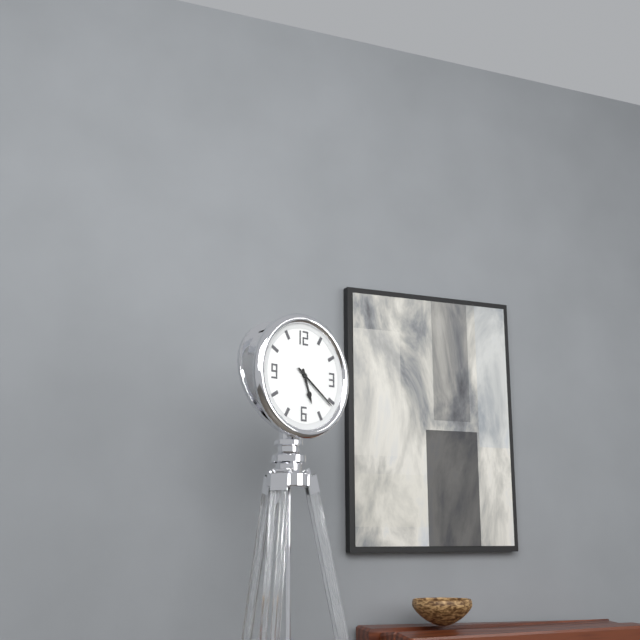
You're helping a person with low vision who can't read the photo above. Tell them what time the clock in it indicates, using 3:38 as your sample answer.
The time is 5:21
